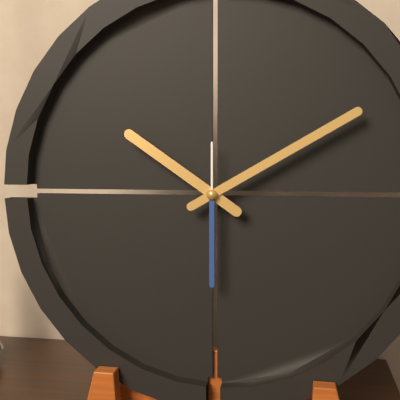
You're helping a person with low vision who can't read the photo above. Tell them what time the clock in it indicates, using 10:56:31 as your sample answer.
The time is 10:10:30
